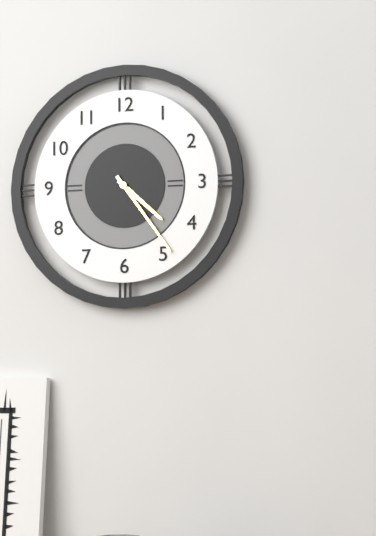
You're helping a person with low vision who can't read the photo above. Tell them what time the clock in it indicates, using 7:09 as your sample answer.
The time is 4:24
